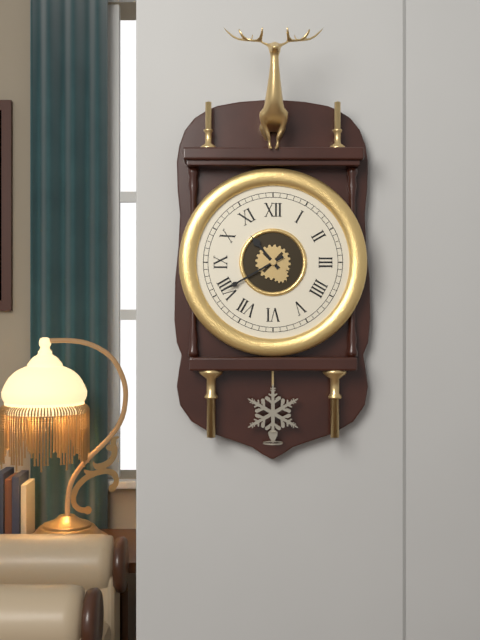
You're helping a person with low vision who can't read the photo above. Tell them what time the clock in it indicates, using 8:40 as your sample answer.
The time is 10:40
